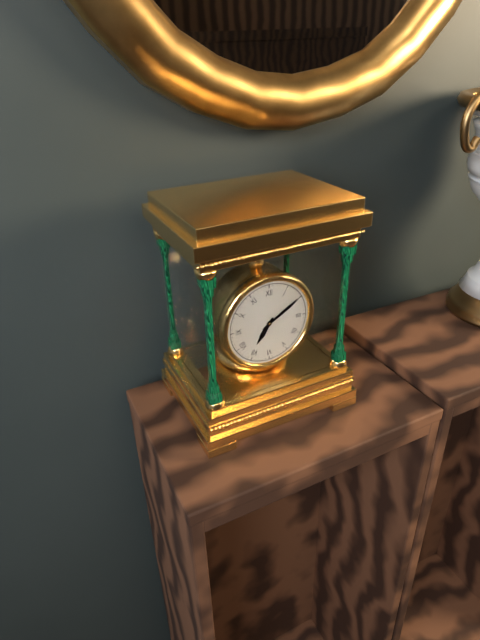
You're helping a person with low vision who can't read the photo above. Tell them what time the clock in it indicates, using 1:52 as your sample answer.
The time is 7:10
